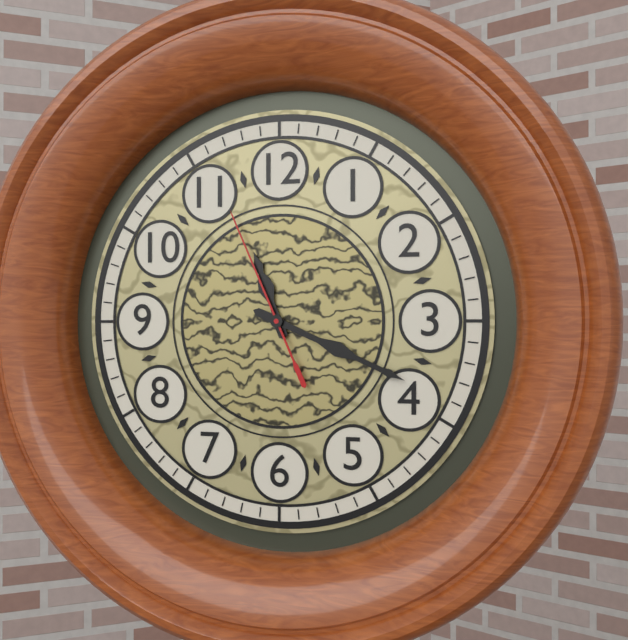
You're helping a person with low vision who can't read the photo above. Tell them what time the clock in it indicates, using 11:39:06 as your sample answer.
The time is 11:19:56
